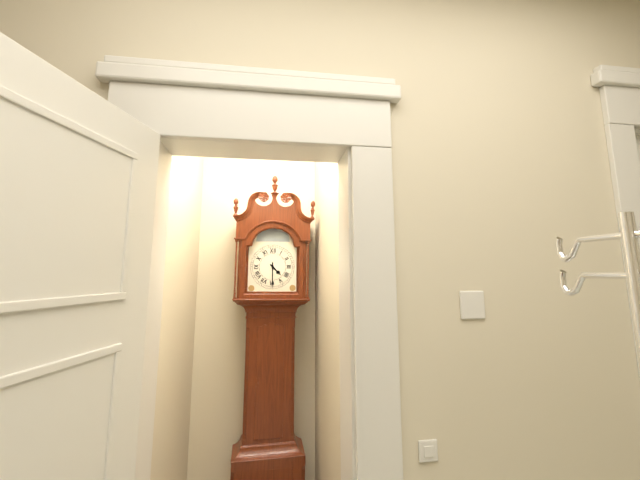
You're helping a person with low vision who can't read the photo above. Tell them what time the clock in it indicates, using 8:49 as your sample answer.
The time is 4:30
